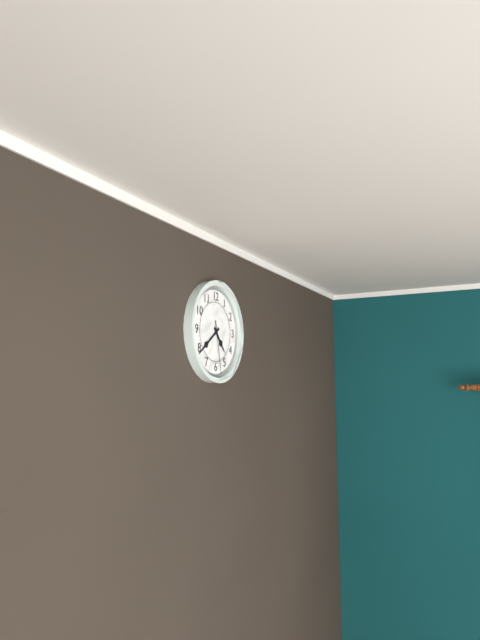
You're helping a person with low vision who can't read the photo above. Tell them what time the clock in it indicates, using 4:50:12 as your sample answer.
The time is 4:39:28
